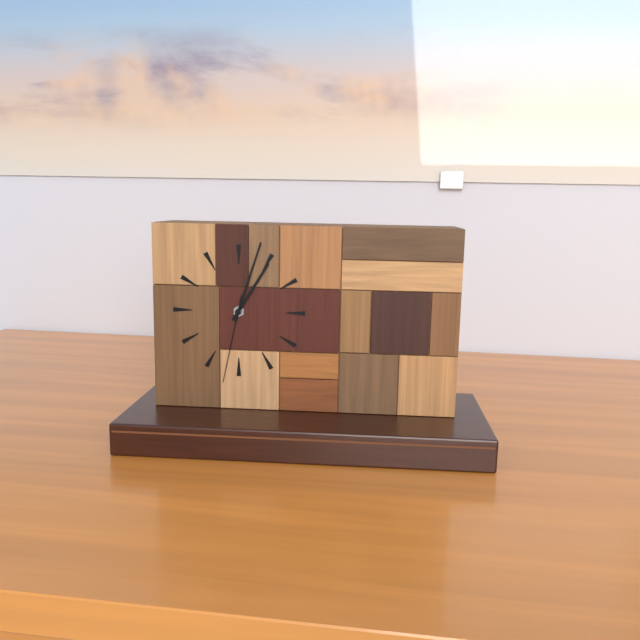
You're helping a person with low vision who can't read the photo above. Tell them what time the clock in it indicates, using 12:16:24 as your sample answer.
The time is 1:03:32
